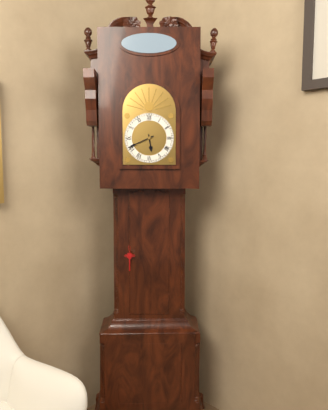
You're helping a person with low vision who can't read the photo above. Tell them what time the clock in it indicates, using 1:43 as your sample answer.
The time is 5:41
